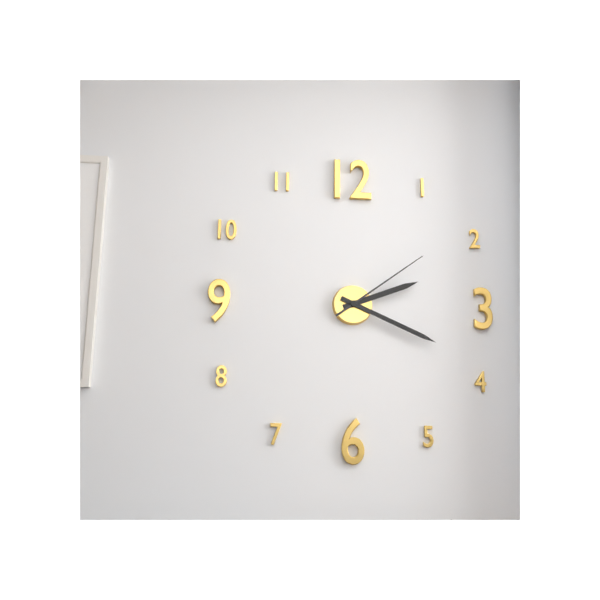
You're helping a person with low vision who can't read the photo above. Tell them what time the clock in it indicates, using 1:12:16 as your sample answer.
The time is 2:19:09
